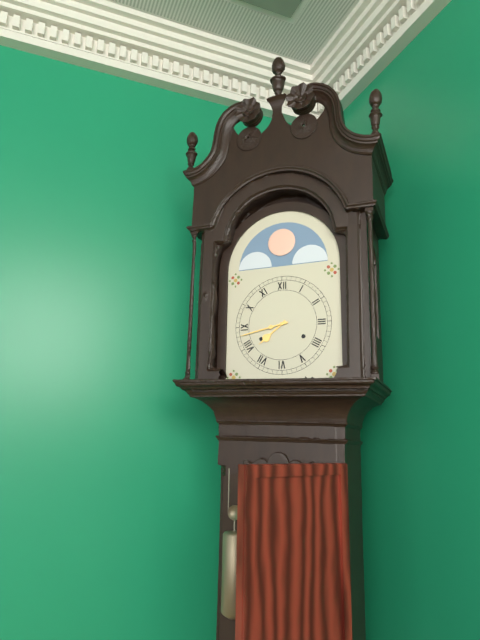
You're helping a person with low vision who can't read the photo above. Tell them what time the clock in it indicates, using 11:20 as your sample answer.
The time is 7:43
